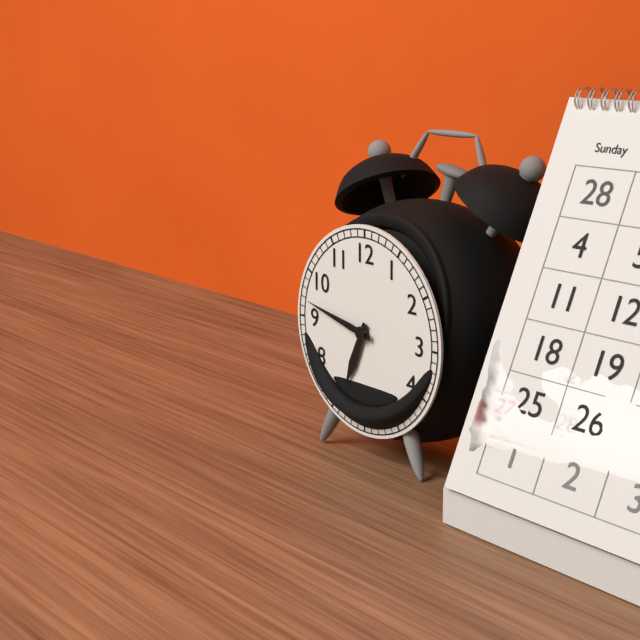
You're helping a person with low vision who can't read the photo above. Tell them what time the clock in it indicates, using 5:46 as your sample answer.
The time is 6:47
